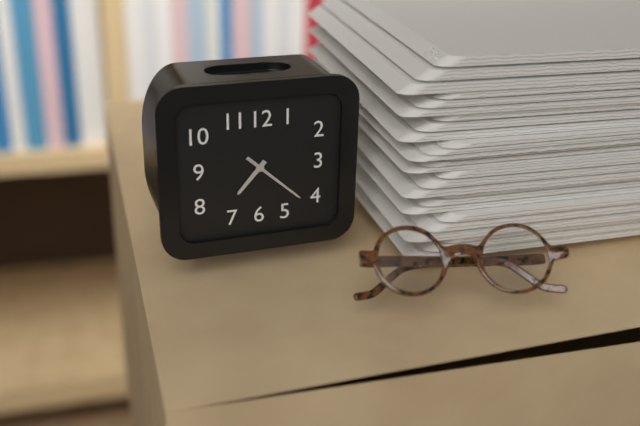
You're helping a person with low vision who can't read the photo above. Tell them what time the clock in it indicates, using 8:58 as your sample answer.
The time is 7:22
